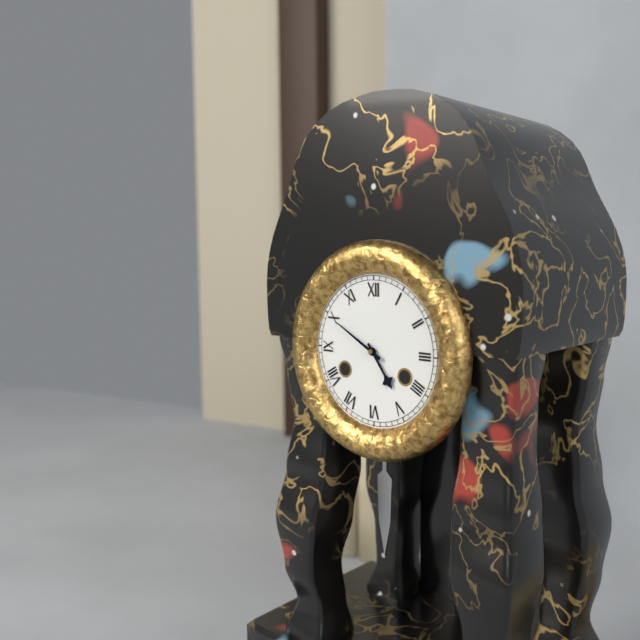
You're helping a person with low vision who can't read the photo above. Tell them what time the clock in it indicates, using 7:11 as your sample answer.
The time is 4:50
